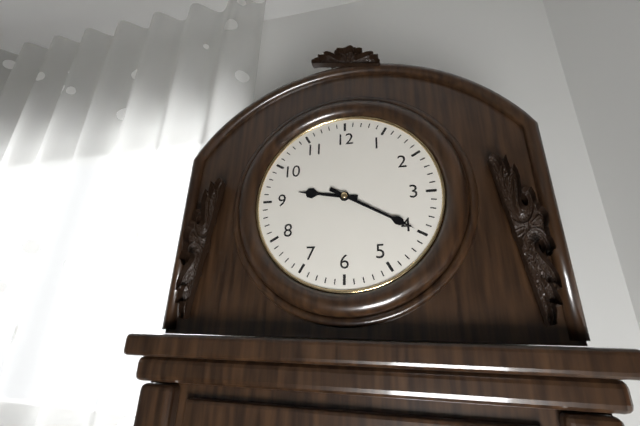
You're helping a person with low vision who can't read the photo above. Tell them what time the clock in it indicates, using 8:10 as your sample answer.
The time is 9:20
